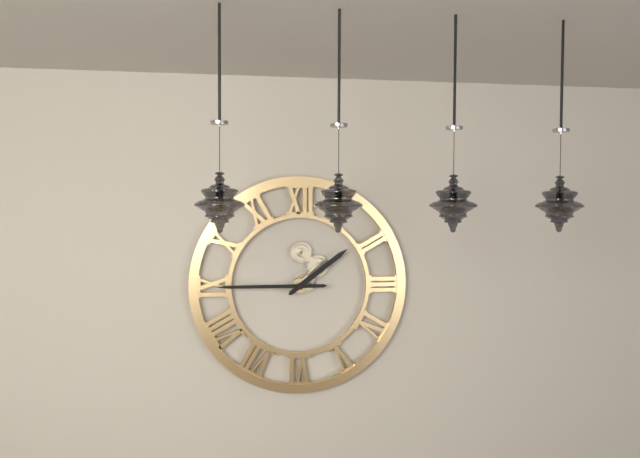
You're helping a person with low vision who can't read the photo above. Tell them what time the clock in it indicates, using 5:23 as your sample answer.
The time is 1:45
